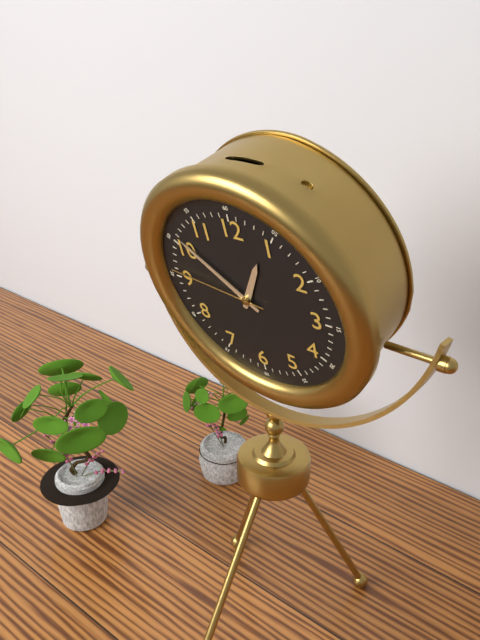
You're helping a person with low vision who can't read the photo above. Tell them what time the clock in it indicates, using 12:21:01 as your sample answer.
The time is 12:51:46
